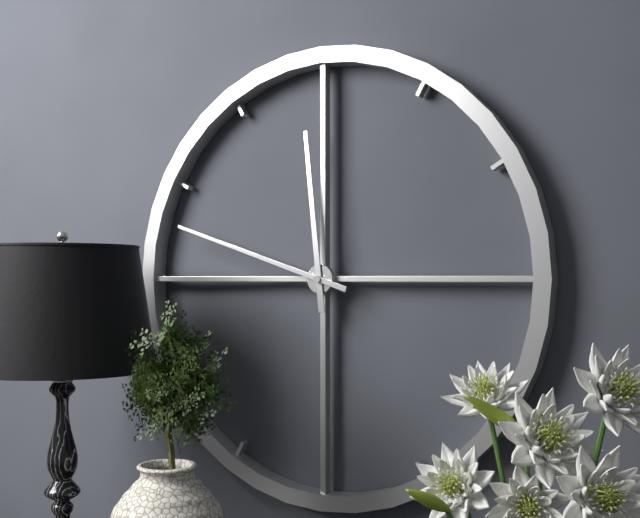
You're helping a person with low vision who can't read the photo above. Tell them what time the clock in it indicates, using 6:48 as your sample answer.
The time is 11:48
